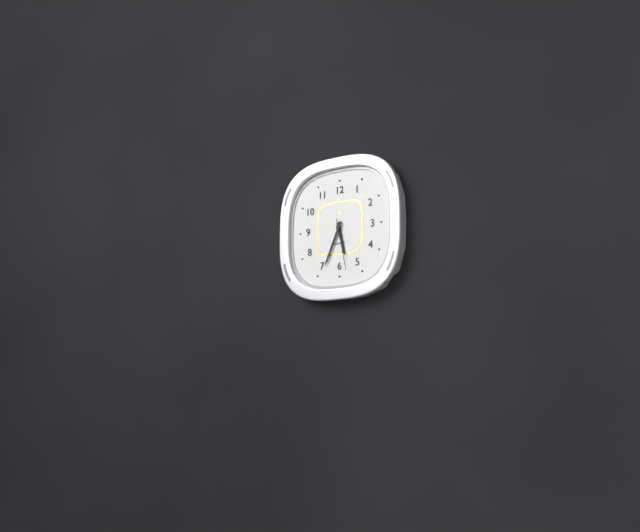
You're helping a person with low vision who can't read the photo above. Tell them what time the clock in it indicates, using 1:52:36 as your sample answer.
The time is 5:34:28
